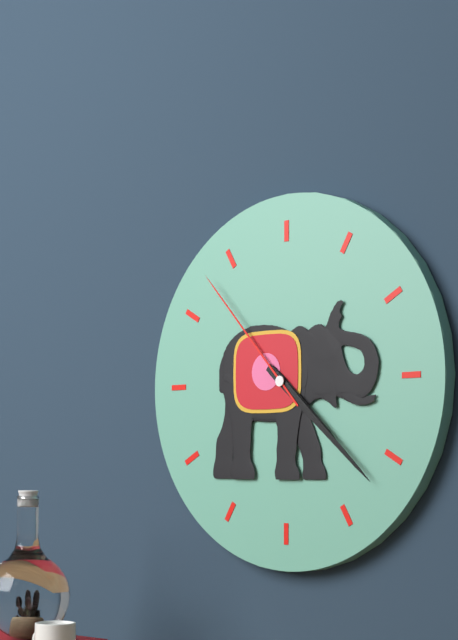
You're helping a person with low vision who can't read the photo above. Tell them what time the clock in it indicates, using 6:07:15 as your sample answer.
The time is 4:22:53
